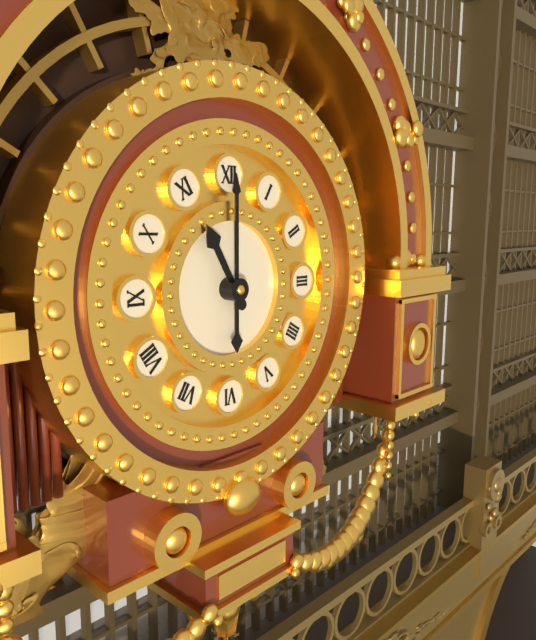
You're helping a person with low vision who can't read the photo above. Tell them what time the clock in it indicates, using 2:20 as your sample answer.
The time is 11:00
